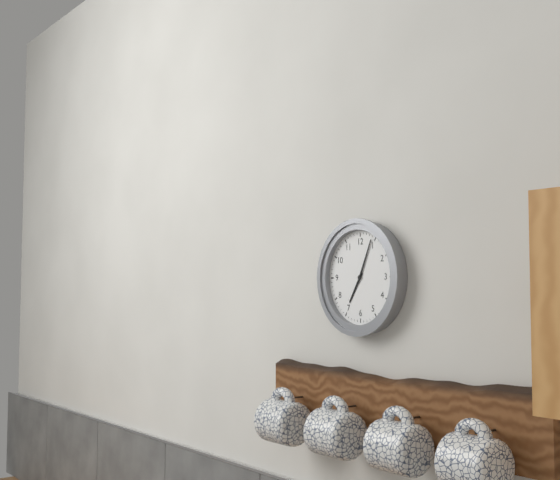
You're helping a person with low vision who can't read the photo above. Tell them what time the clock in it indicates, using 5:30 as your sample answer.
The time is 7:04
